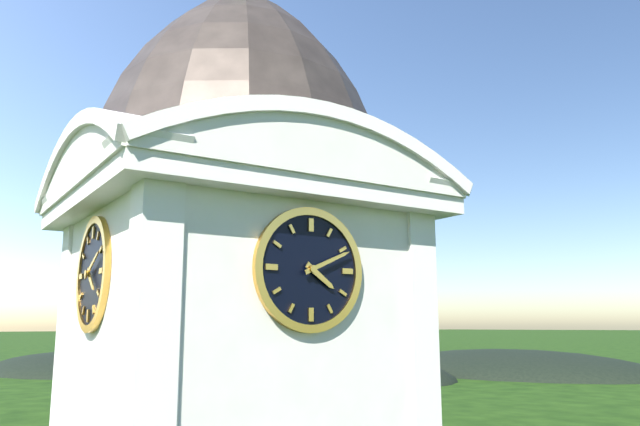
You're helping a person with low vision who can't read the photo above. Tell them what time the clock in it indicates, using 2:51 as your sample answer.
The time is 4:11
